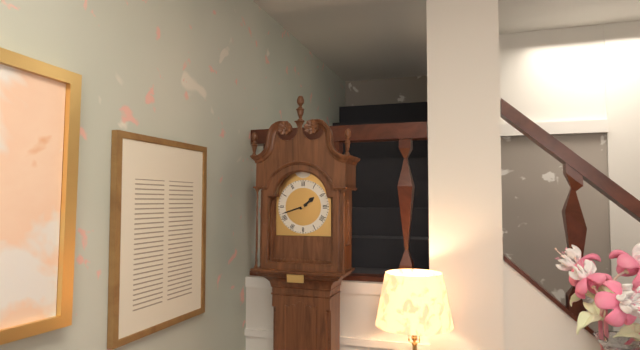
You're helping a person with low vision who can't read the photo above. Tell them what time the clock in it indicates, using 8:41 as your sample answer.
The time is 1:42
